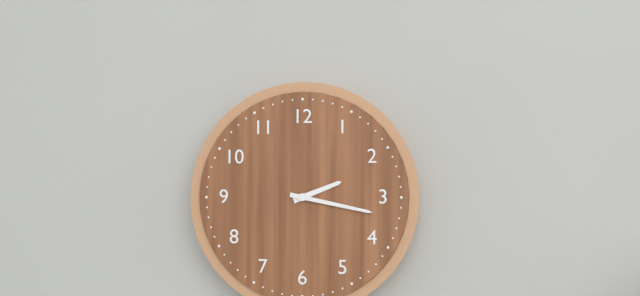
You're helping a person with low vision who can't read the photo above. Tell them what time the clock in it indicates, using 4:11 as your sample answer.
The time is 2:17
